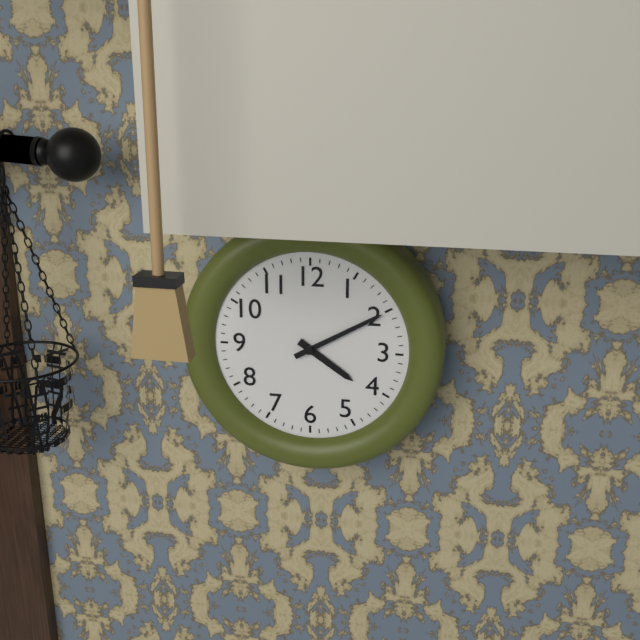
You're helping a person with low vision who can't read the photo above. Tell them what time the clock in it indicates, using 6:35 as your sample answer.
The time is 4:10
